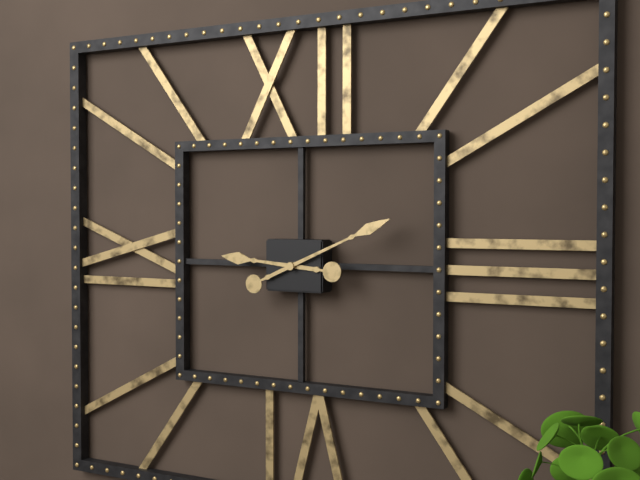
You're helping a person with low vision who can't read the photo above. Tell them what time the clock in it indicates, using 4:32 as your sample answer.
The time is 9:11
